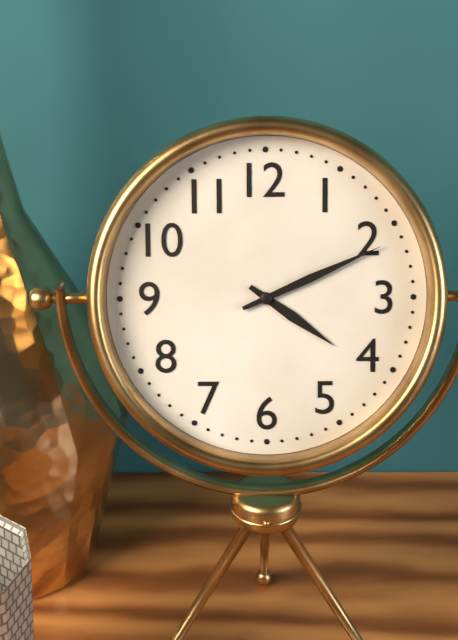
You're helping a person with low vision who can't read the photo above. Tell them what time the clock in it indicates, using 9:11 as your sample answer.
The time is 4:11
